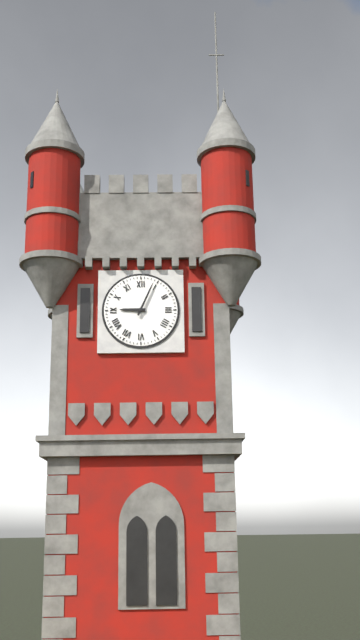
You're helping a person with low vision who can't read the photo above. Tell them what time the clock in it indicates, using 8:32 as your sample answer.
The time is 9:04
